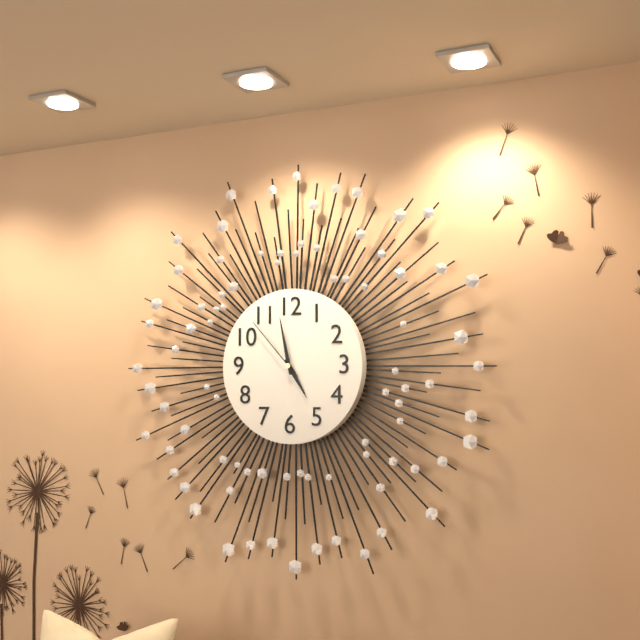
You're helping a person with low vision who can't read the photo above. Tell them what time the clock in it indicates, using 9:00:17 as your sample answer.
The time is 4:58:53
